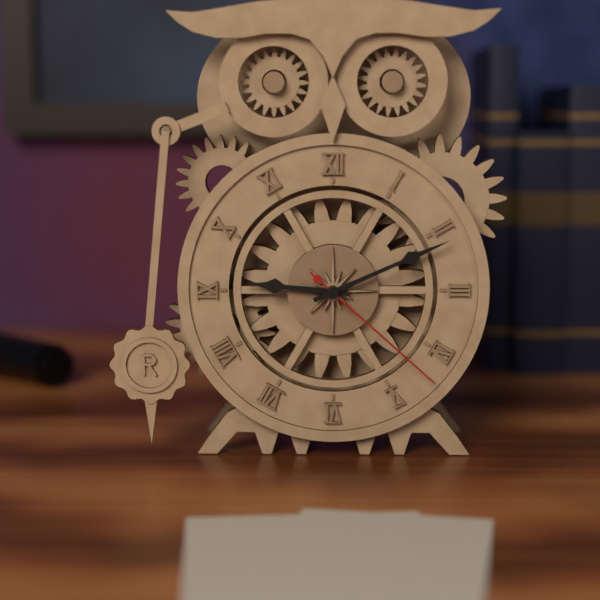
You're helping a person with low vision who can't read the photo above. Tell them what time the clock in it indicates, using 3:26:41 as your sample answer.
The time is 9:11:22
